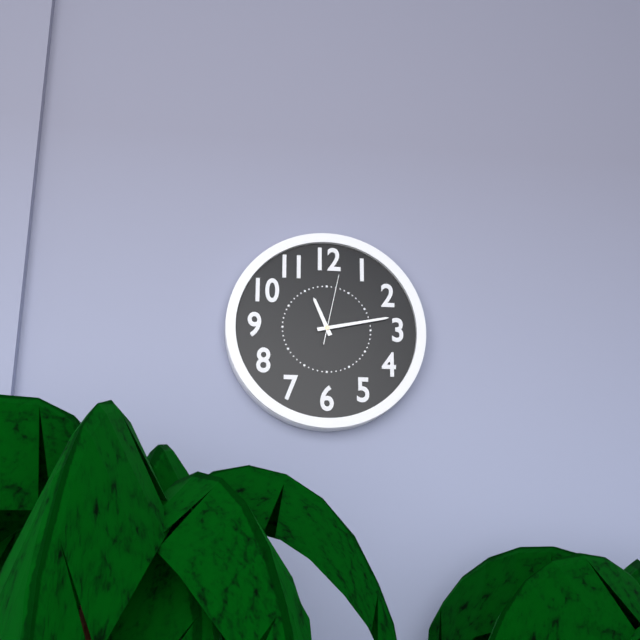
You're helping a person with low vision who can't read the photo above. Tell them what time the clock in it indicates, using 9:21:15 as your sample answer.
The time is 11:13:02
